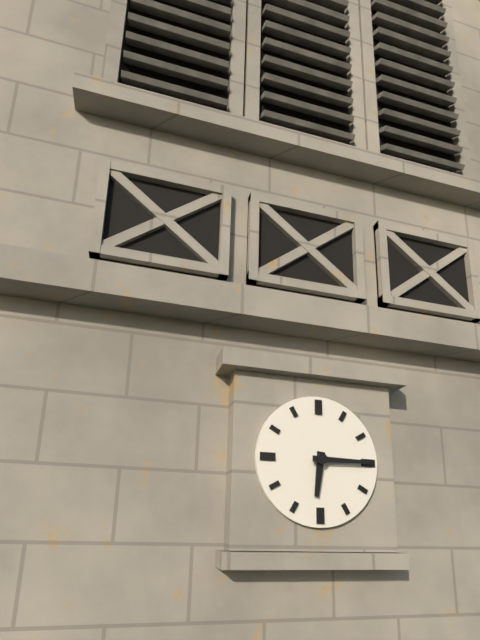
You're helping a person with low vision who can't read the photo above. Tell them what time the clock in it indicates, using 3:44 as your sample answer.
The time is 6:15
